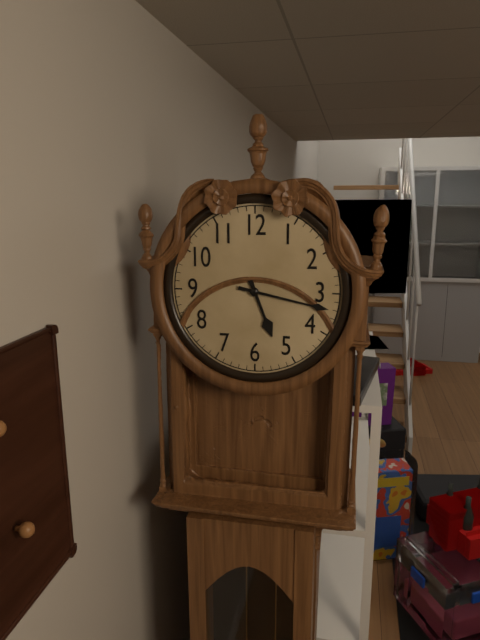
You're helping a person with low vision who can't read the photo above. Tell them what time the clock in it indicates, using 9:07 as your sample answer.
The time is 5:17
